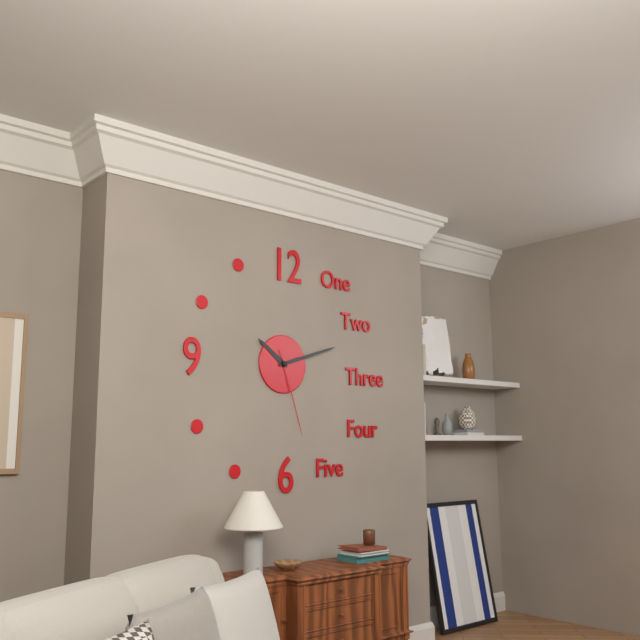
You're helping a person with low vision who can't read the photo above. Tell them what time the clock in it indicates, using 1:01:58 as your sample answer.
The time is 10:12:27
